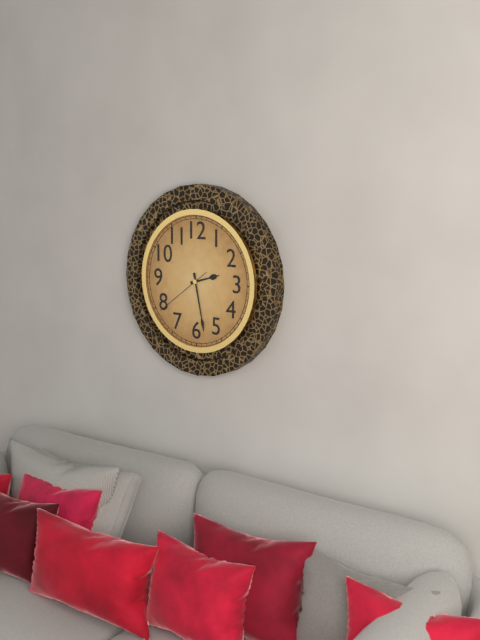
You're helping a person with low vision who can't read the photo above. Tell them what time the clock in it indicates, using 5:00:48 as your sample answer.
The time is 2:28:39
